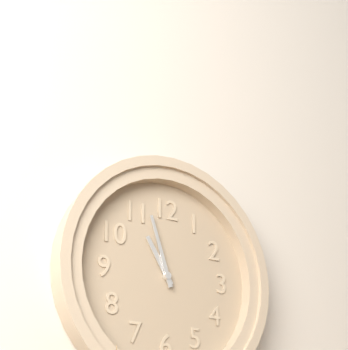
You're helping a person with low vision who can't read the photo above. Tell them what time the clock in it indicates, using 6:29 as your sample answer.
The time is 10:57
